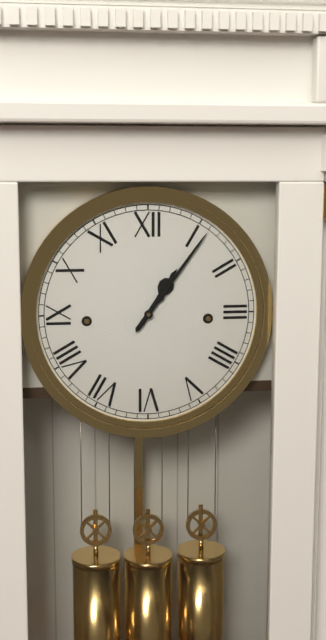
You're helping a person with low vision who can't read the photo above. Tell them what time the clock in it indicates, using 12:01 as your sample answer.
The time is 1:06
